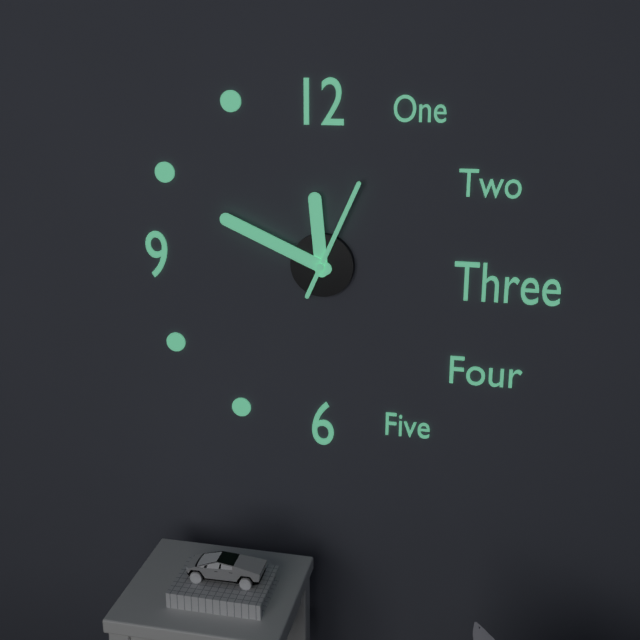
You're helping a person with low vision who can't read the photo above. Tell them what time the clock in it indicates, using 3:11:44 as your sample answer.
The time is 11:49:04
